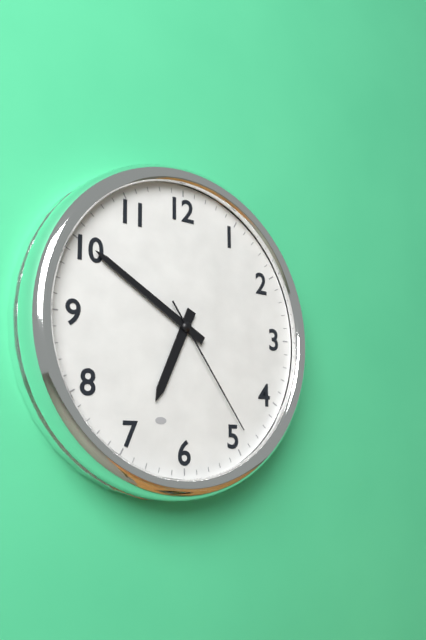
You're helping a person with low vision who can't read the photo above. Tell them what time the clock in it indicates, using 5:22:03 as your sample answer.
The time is 6:50:24
